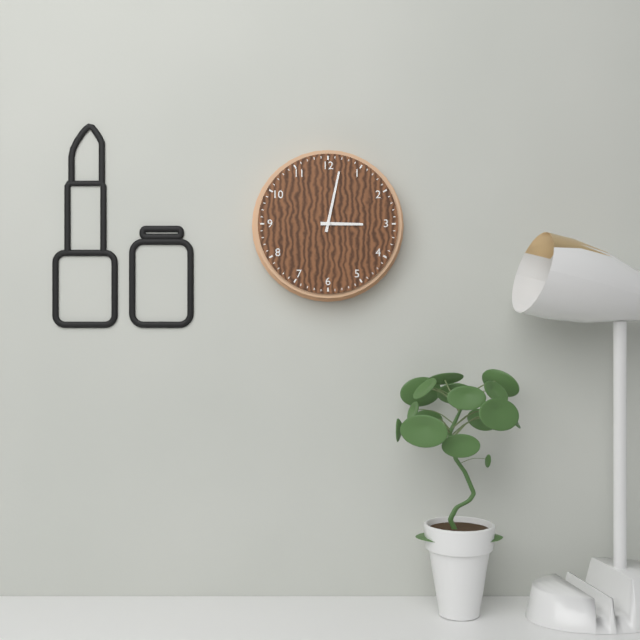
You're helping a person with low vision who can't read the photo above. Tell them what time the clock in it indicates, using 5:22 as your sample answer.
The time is 3:02
